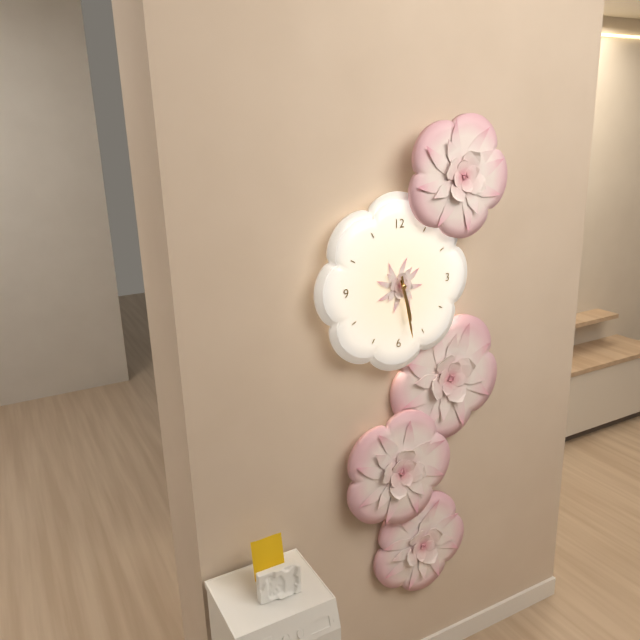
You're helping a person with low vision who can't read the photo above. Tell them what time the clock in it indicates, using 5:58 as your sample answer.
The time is 5:28
